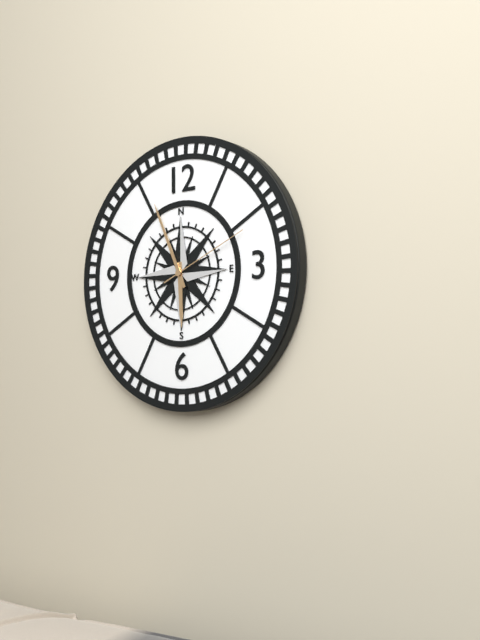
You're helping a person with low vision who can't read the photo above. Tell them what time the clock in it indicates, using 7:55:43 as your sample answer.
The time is 5:56:11
